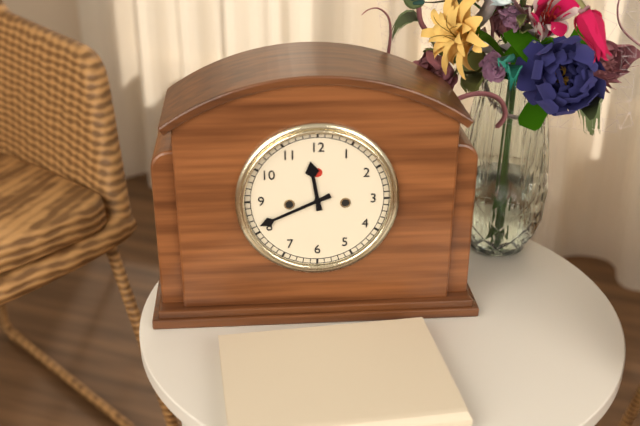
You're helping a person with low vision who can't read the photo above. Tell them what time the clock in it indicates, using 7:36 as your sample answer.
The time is 11:41
